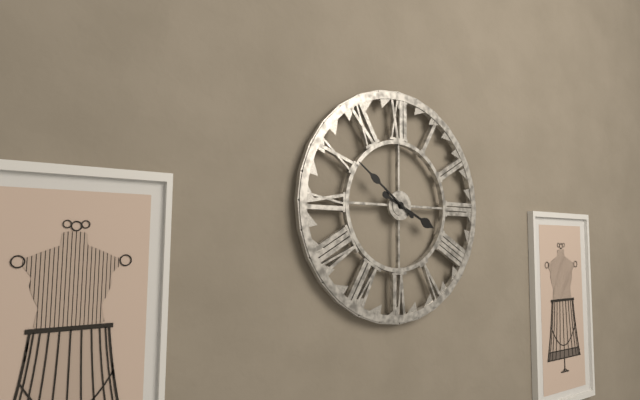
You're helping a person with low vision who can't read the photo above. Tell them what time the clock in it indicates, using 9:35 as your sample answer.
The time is 3:51
